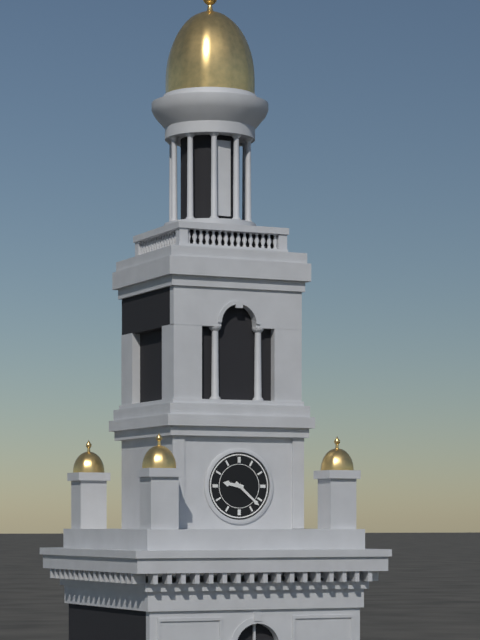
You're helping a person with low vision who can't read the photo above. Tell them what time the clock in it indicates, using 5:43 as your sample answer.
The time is 9:22
